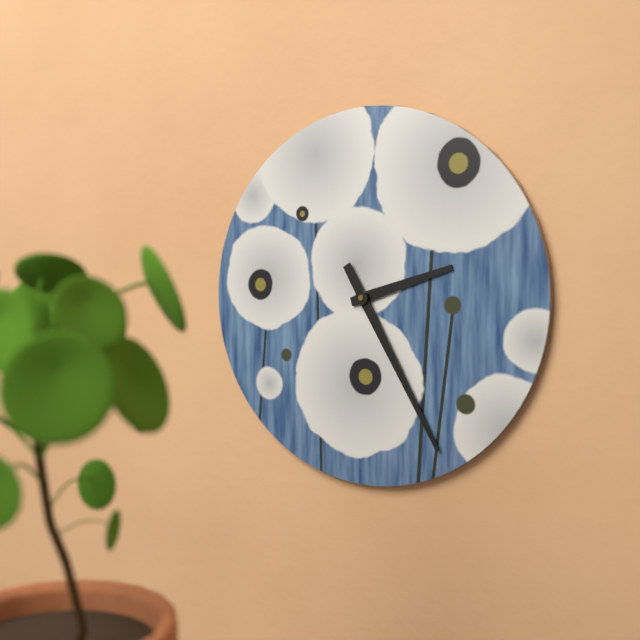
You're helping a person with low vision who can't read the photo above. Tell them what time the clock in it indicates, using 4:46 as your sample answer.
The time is 2:25
